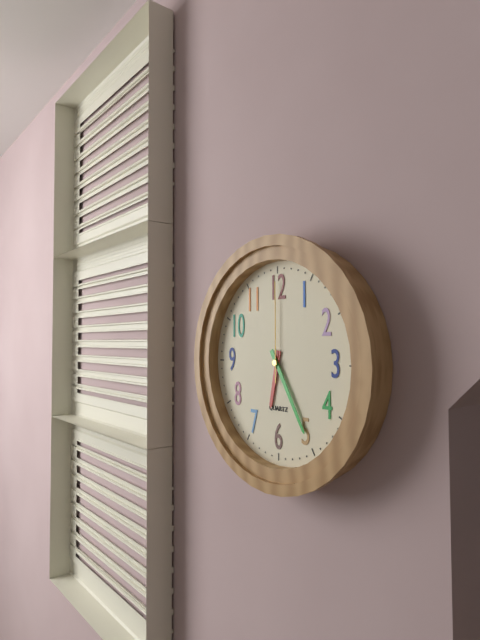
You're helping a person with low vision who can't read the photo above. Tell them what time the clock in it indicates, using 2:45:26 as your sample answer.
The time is 6:25:00
